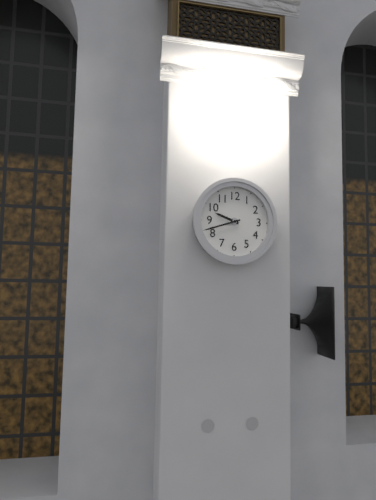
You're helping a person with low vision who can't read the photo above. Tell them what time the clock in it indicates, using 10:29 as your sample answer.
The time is 9:42
